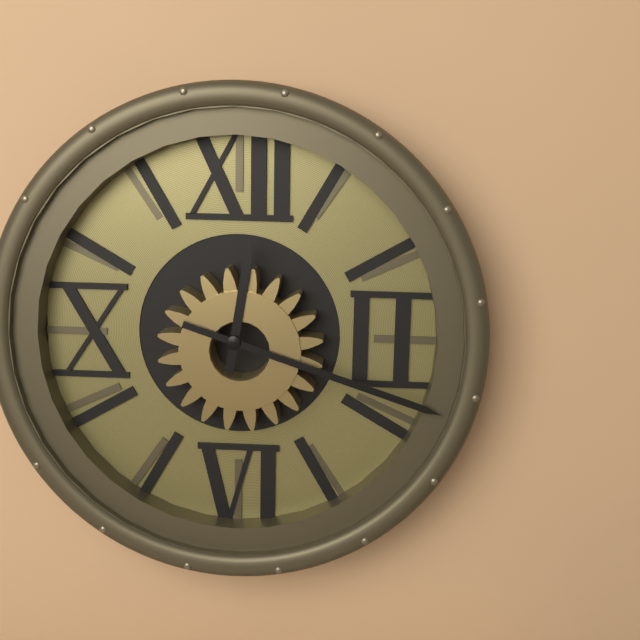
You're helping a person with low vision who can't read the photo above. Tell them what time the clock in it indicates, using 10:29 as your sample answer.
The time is 12:18
